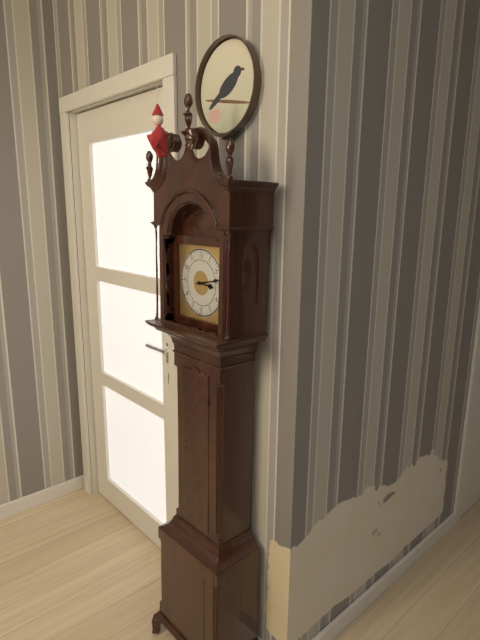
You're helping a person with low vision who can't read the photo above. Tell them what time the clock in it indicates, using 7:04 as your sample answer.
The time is 3:13
